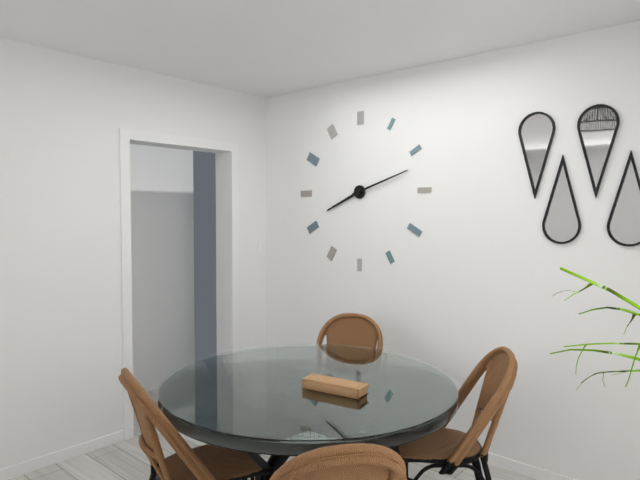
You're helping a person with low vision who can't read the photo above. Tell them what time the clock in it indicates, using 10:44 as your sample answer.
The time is 8:12
